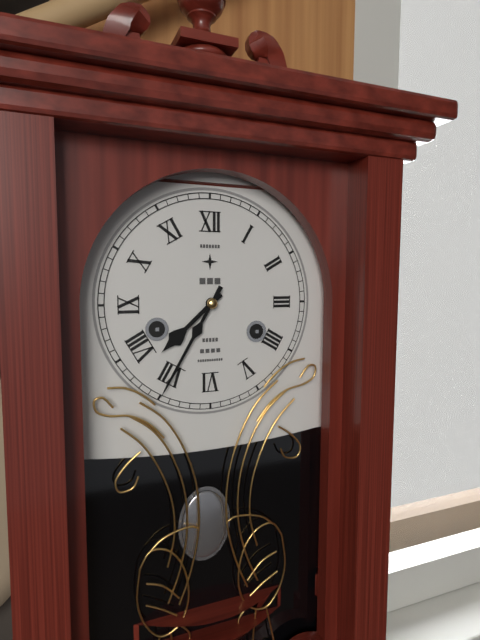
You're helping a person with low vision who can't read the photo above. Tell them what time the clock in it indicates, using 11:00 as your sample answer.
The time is 7:35
